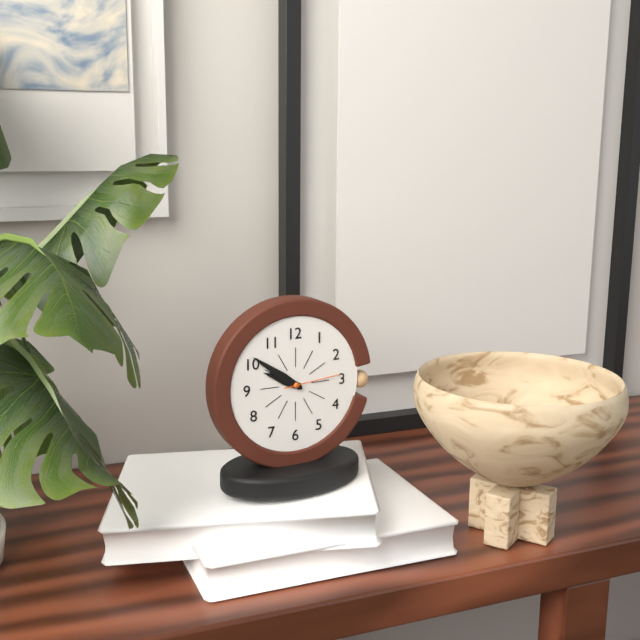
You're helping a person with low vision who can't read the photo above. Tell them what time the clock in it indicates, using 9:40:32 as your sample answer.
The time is 9:51:14
